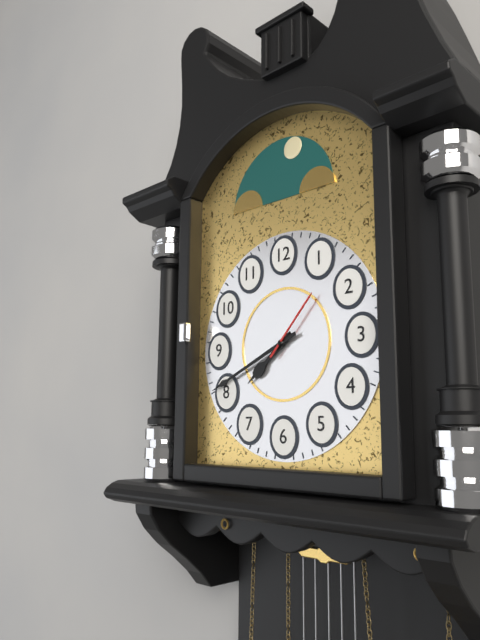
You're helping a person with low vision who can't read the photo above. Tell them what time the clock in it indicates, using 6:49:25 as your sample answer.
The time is 7:41:07
